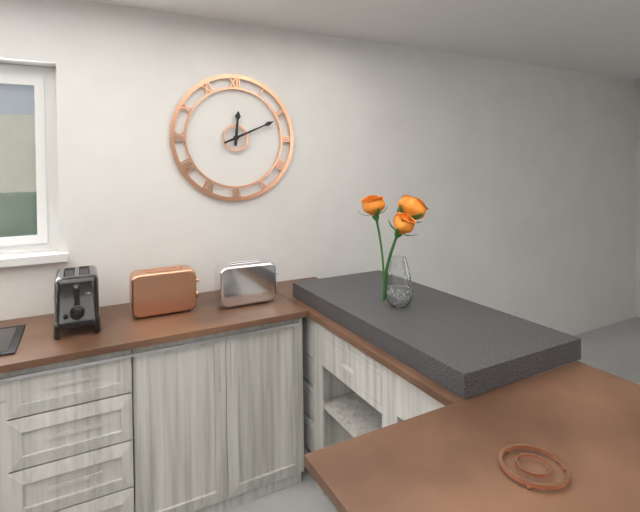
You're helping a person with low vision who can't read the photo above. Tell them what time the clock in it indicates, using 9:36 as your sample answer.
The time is 12:11
